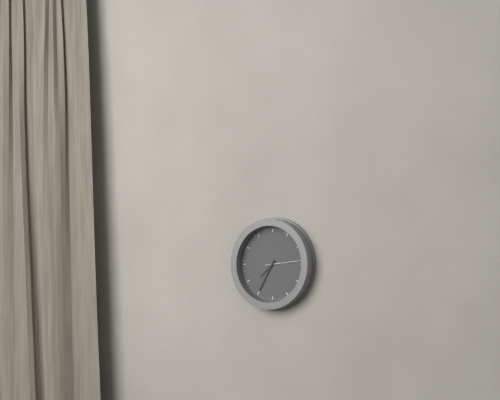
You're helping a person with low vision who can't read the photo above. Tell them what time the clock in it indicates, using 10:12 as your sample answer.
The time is 7:35
